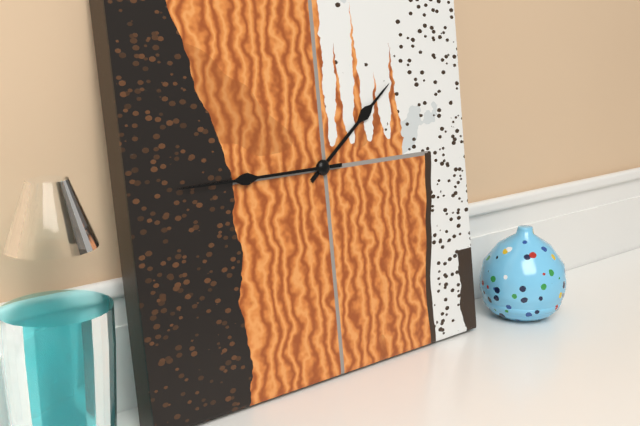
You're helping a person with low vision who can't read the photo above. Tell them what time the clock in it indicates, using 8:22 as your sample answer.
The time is 1:45
